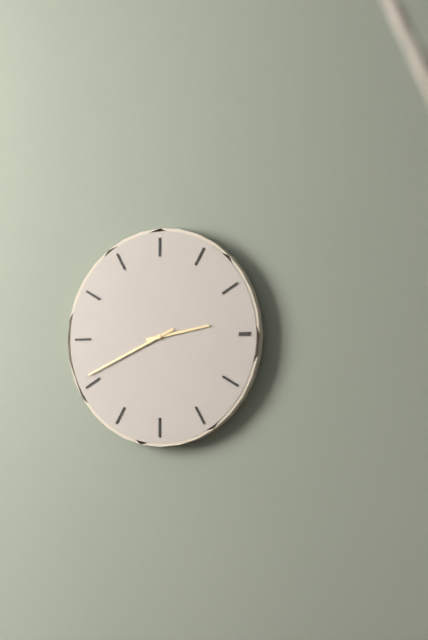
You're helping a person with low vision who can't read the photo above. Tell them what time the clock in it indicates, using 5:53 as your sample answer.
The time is 2:41
